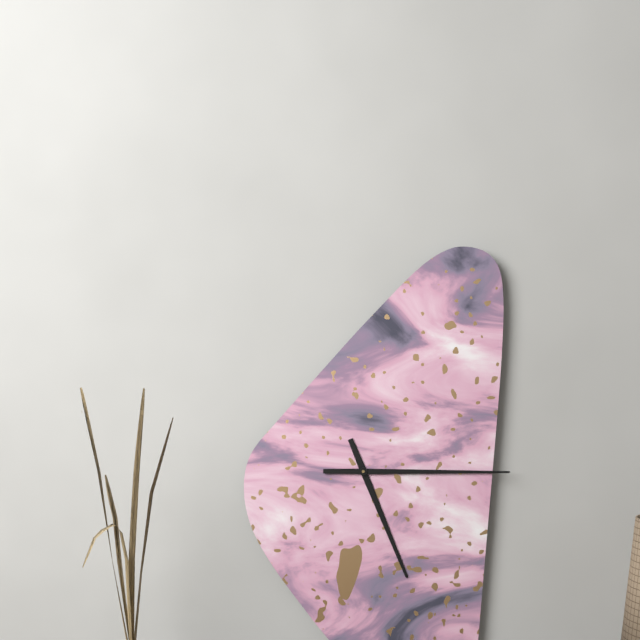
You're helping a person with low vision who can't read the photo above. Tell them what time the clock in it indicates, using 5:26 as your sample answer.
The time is 5:15
